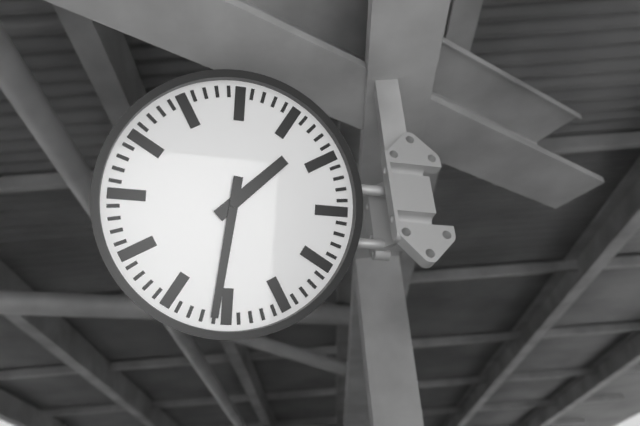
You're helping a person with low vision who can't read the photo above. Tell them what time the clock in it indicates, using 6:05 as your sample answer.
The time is 1:31
